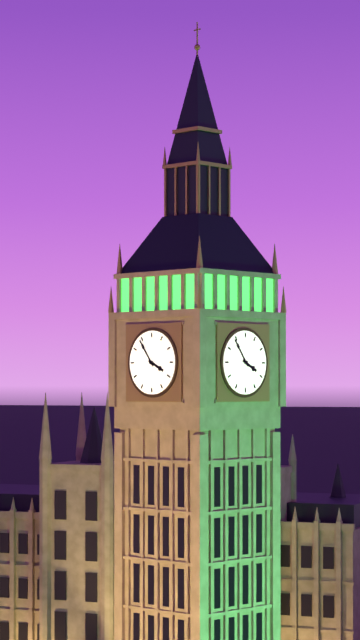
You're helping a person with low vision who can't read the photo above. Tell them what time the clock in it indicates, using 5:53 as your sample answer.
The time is 3:54
